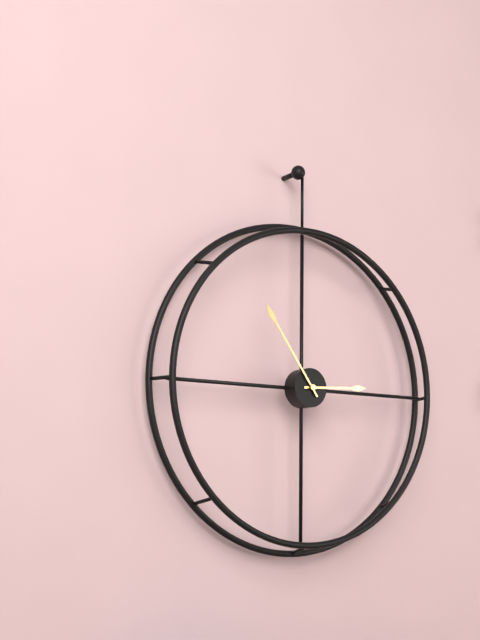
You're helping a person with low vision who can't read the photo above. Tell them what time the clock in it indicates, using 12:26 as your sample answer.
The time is 2:54
